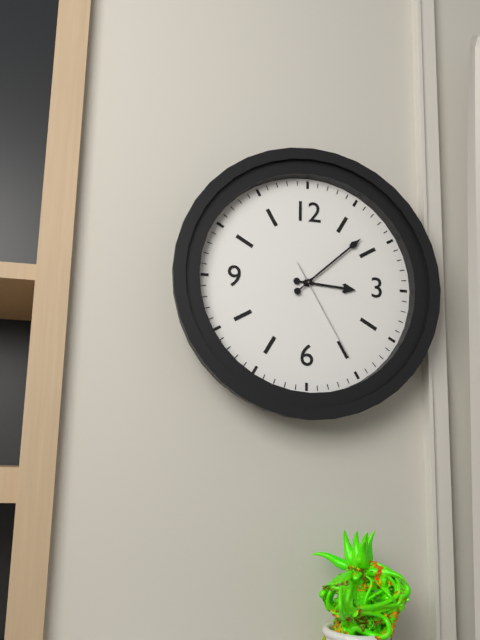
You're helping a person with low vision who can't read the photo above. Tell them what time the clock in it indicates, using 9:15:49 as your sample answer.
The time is 3:08:25
